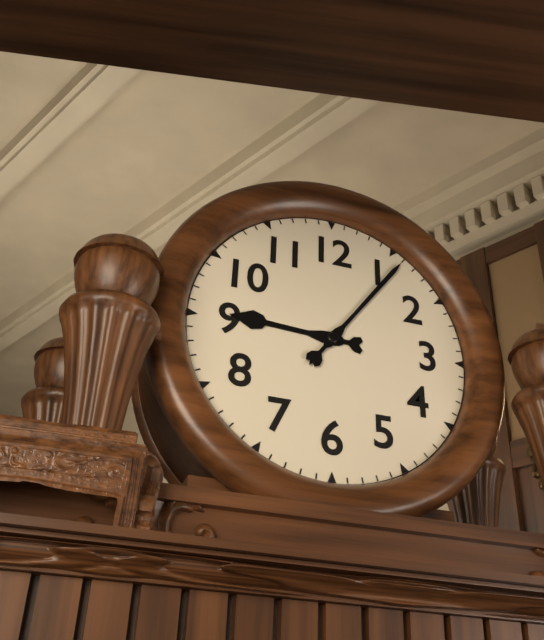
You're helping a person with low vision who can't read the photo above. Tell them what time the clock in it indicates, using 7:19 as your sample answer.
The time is 9:06
